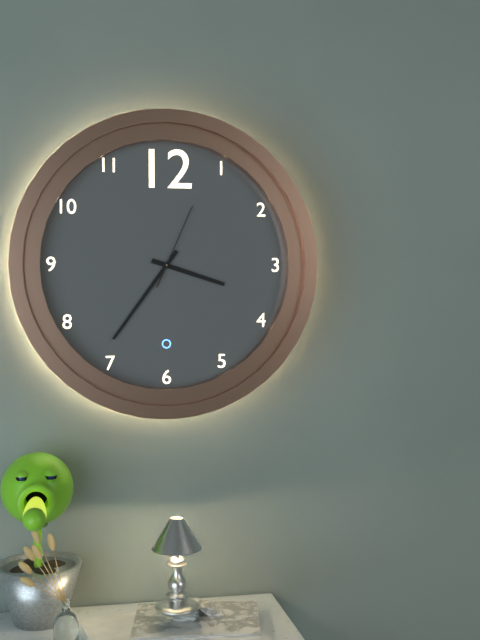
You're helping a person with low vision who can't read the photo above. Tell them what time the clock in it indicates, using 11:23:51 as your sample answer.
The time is 3:36:04
